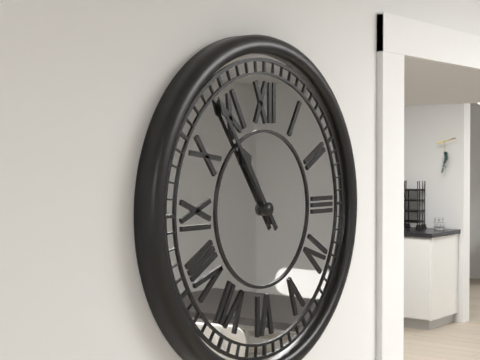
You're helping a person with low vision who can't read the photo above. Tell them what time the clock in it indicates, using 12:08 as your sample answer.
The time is 10:54
